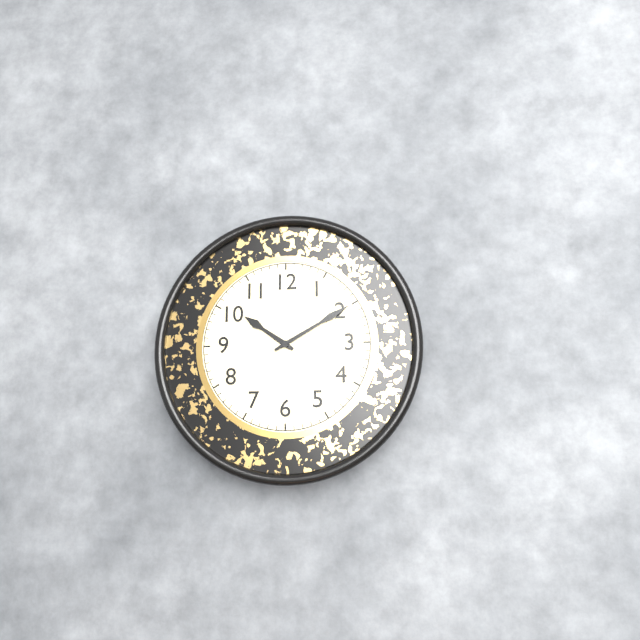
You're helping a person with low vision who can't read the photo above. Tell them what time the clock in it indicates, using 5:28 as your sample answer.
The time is 10:10
